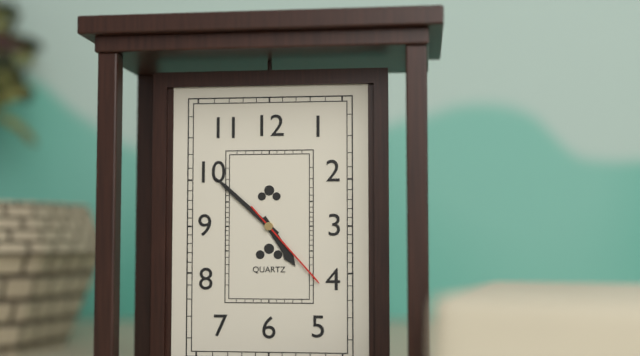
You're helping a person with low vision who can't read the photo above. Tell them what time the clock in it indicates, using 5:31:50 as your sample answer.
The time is 4:52:23
